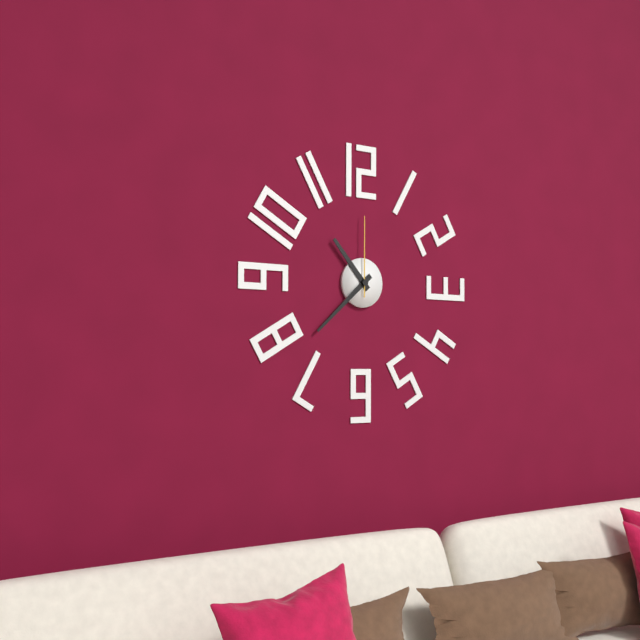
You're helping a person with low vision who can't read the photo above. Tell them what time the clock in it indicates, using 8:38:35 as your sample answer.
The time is 10:38:00
